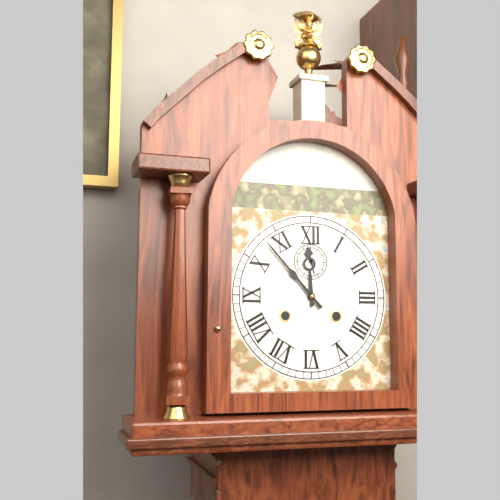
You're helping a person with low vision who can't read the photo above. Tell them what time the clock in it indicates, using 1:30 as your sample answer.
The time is 11:53
